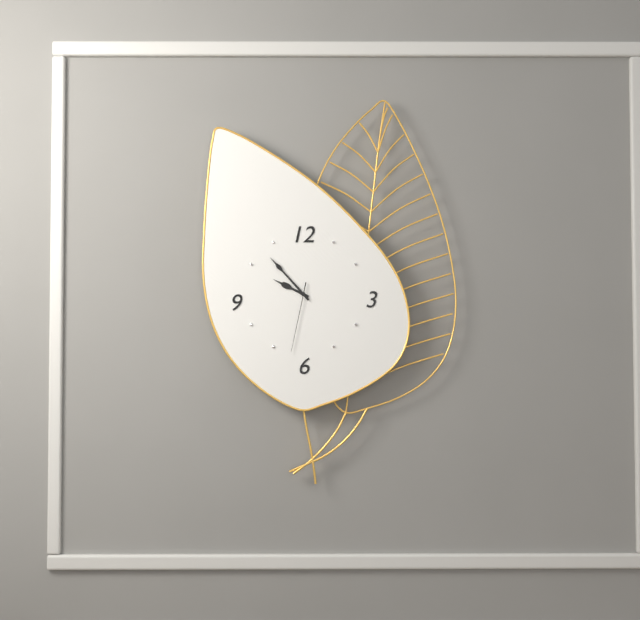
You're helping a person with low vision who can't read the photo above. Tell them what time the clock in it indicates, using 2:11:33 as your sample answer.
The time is 9:53:32
